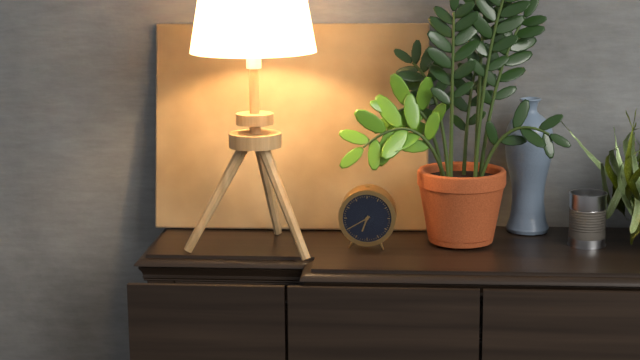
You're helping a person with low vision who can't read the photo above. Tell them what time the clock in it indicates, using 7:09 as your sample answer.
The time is 6:40
